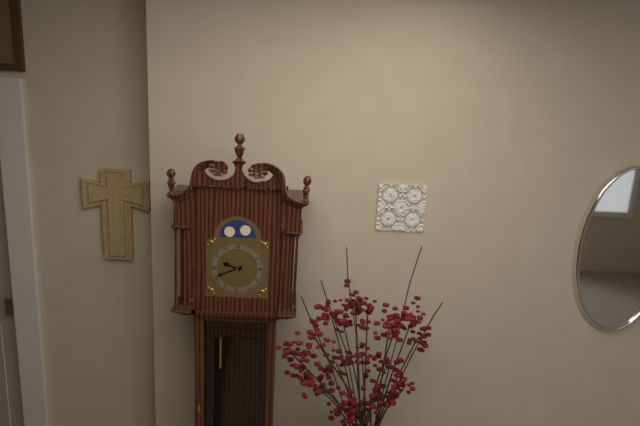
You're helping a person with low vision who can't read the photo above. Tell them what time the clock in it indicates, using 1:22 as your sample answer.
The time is 9:41
